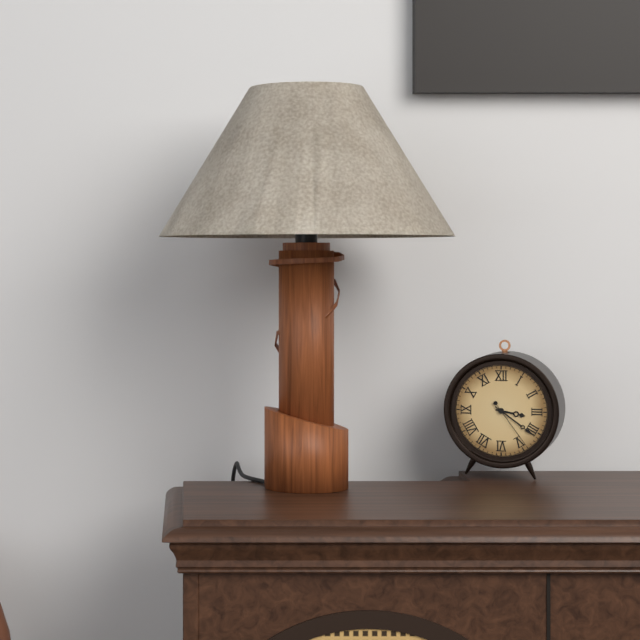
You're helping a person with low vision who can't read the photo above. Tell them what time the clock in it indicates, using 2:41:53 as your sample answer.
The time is 3:21:24
